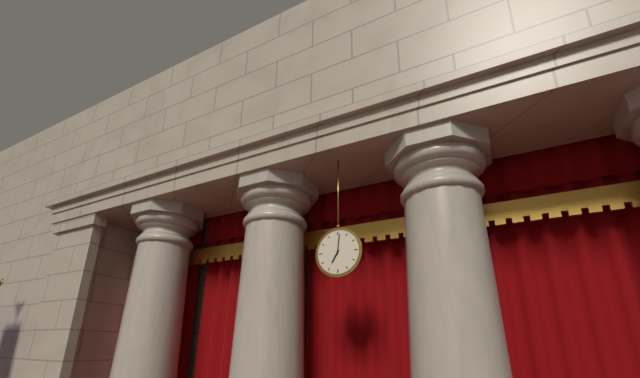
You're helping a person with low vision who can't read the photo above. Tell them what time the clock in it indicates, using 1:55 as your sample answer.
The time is 7:01
